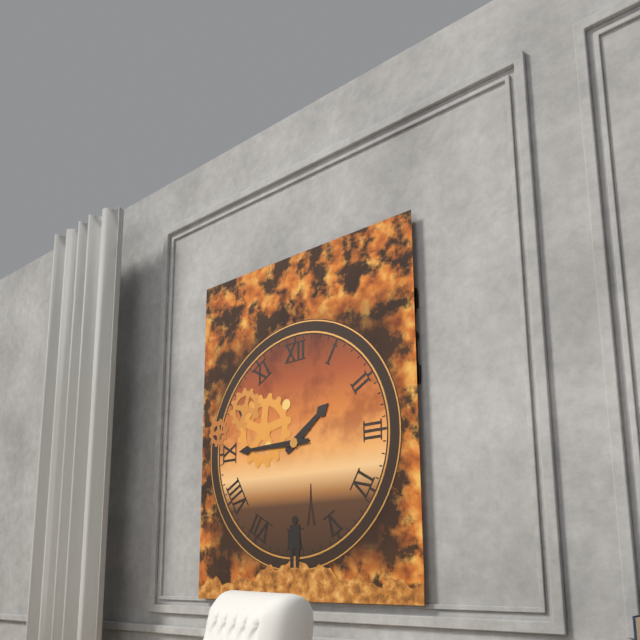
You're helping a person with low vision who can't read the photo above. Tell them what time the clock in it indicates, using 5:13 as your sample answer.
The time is 1:45
